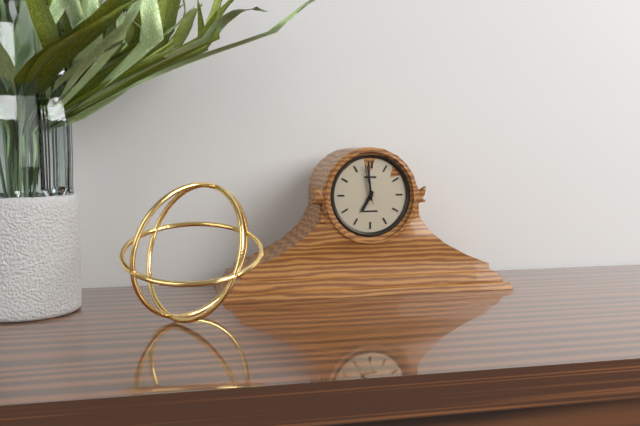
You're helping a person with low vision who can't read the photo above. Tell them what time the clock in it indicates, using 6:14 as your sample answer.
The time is 6:59
